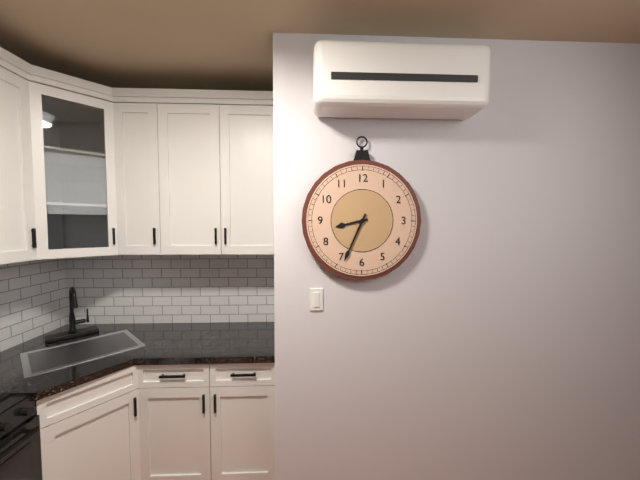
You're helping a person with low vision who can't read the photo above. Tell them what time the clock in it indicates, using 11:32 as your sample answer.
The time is 8:34
